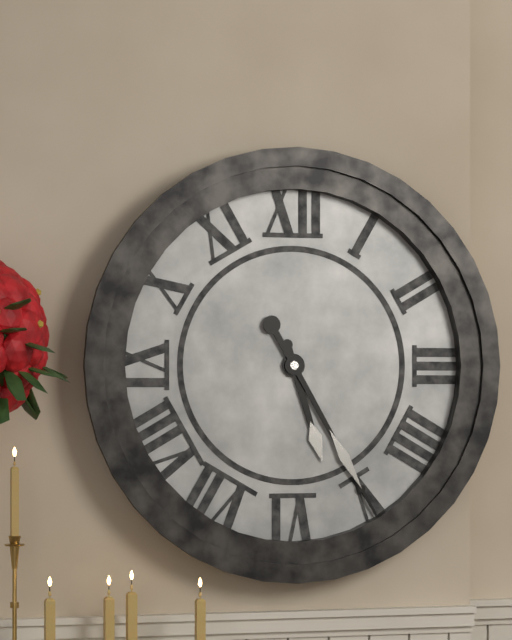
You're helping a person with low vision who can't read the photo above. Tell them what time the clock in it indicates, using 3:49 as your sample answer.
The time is 5:25
